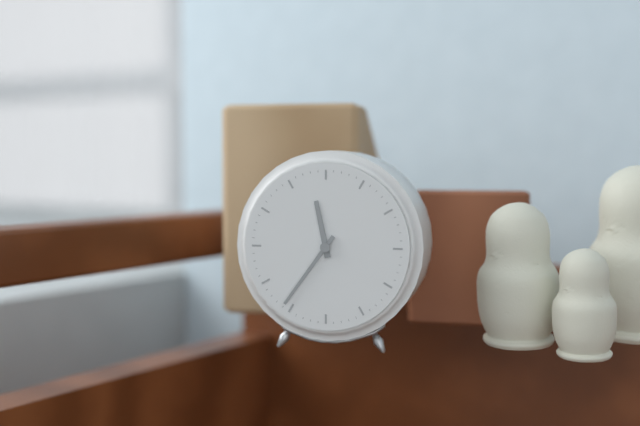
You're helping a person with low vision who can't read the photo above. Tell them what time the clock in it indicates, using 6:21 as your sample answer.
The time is 11:36
